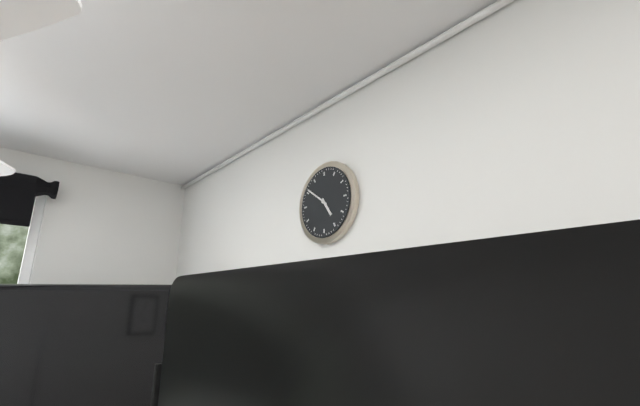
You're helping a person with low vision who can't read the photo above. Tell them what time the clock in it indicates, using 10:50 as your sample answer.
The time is 4:51
